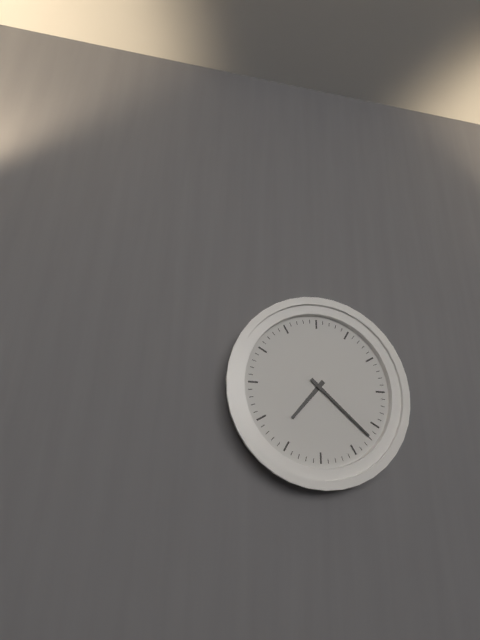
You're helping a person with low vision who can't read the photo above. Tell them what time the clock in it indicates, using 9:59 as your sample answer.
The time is 7:22
